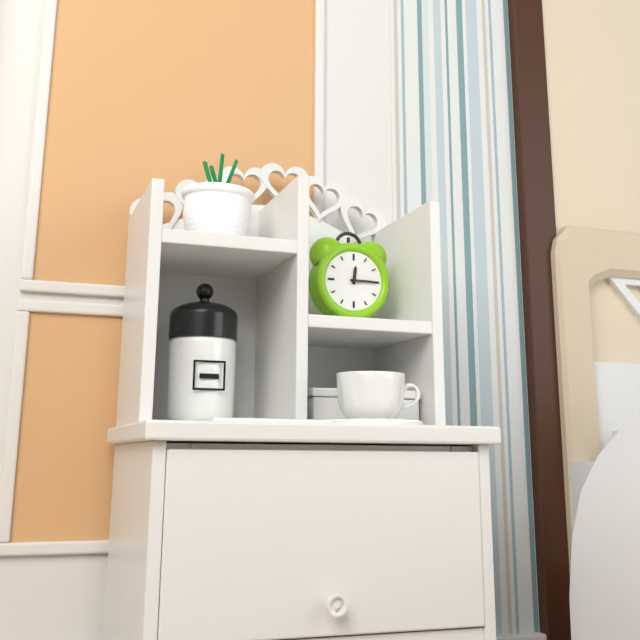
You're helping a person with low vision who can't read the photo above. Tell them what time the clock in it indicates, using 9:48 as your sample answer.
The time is 12:15
